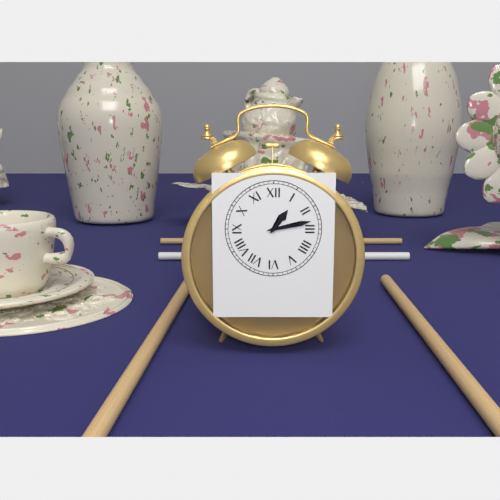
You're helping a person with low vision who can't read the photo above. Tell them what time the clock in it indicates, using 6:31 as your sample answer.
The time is 1:13
